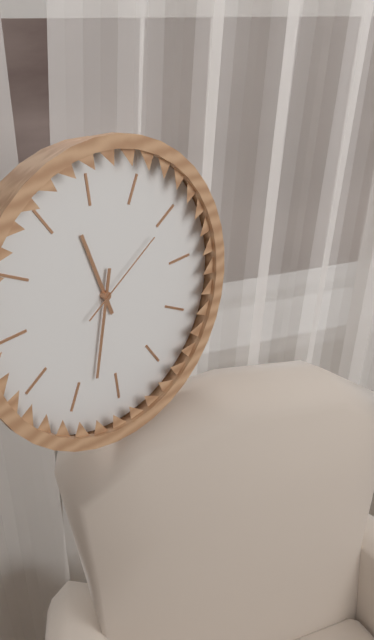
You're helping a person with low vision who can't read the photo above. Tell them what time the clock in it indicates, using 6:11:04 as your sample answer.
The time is 11:33:10
